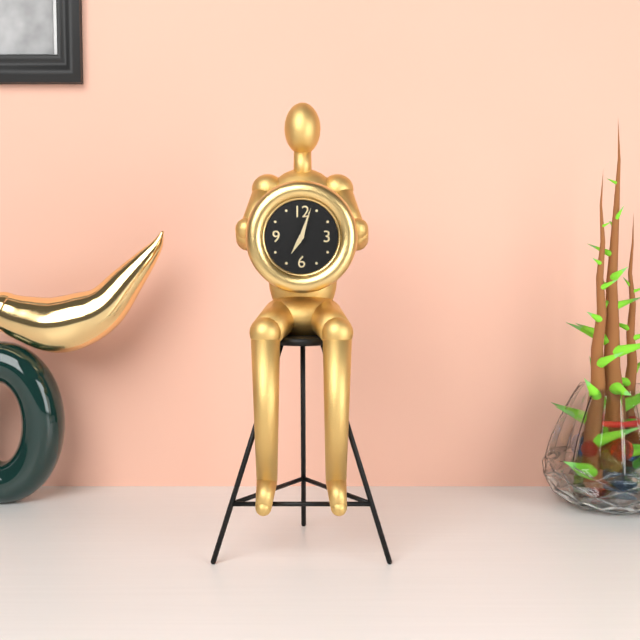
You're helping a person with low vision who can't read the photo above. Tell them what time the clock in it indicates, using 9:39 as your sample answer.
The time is 7:03
